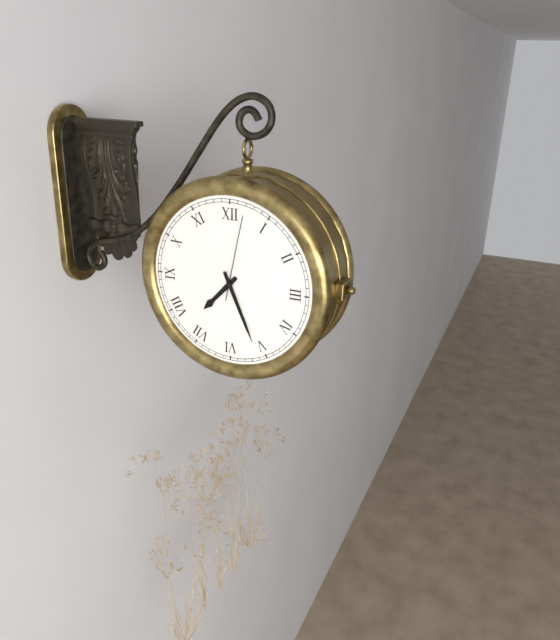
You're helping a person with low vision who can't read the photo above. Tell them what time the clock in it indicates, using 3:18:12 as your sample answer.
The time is 7:26:02
